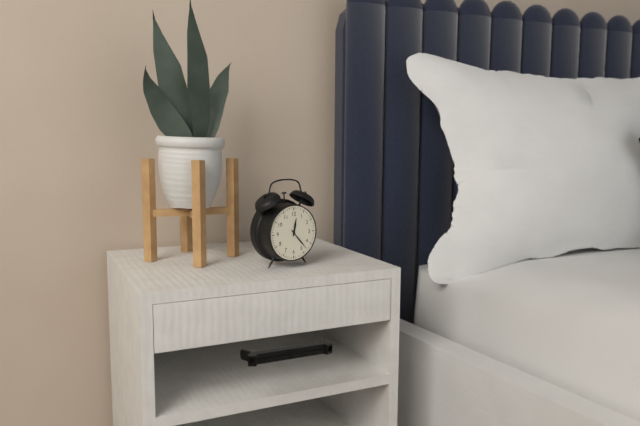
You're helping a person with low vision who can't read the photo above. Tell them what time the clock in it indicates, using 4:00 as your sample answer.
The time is 12:23
